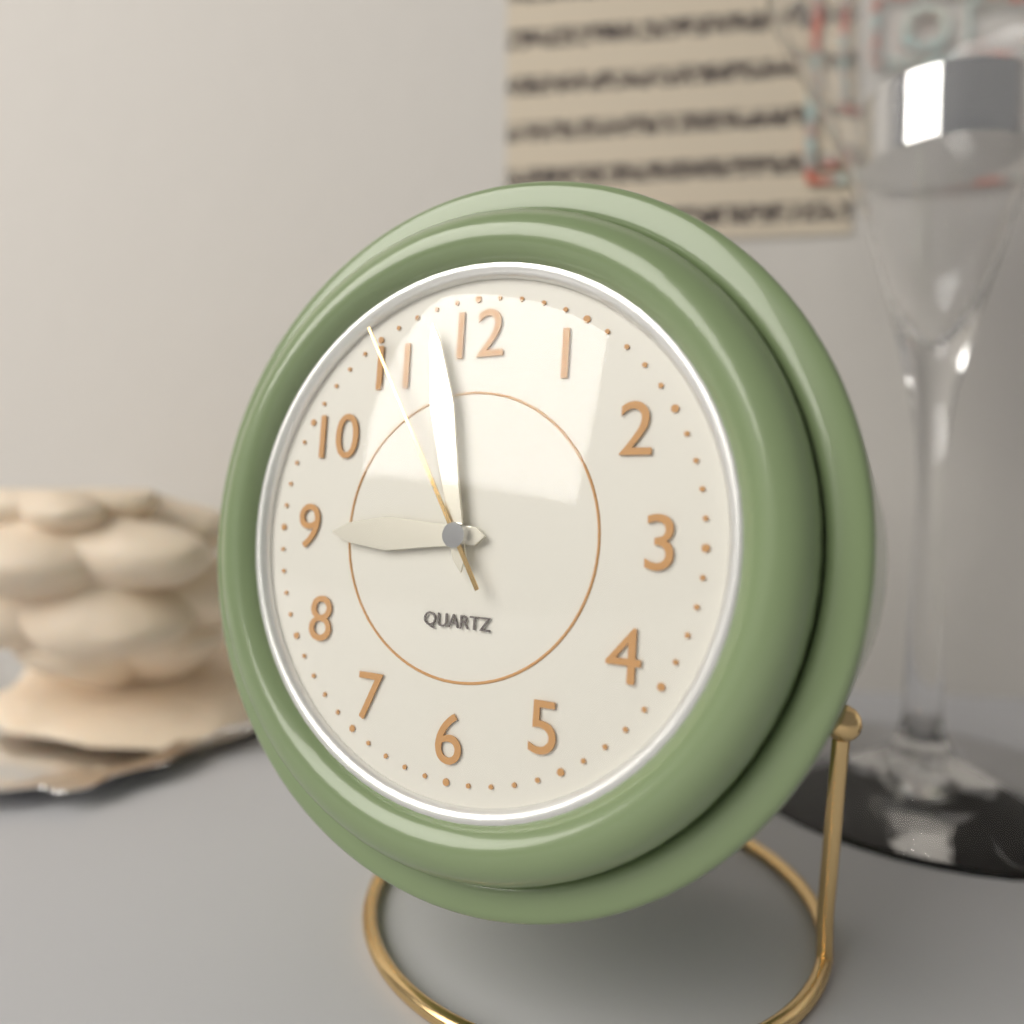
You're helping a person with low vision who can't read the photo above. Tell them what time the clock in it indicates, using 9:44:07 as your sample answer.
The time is 8:58:55
